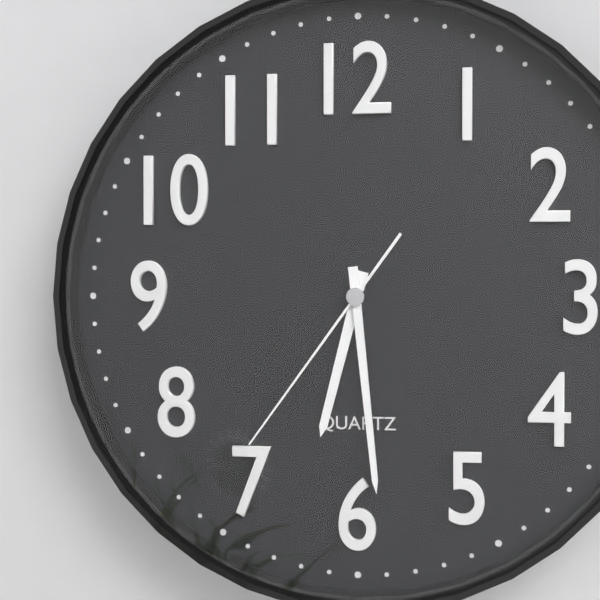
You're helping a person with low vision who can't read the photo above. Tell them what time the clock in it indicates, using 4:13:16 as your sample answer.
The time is 6:29:36
